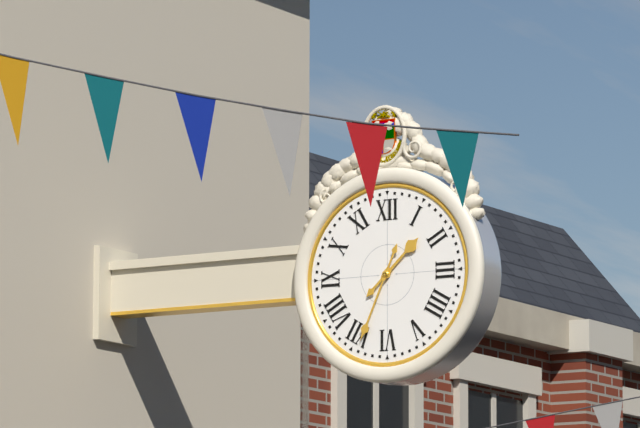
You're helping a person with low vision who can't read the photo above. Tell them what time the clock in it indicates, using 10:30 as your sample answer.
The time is 1:34
